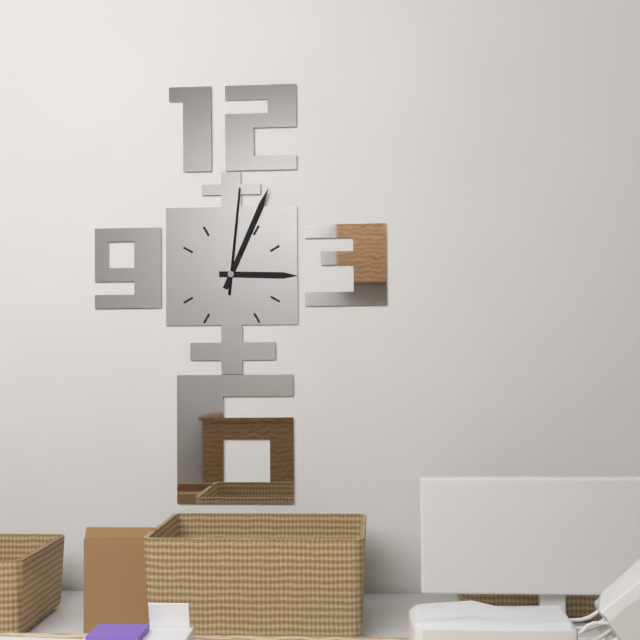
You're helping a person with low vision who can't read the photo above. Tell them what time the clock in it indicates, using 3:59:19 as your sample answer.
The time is 3:04:01
